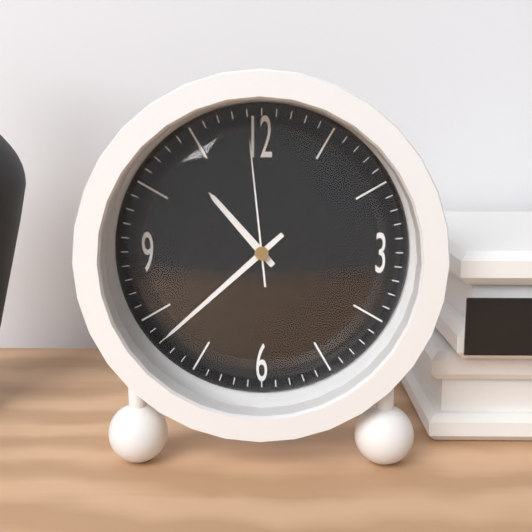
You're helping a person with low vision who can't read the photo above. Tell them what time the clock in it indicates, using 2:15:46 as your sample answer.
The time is 10:38:59
